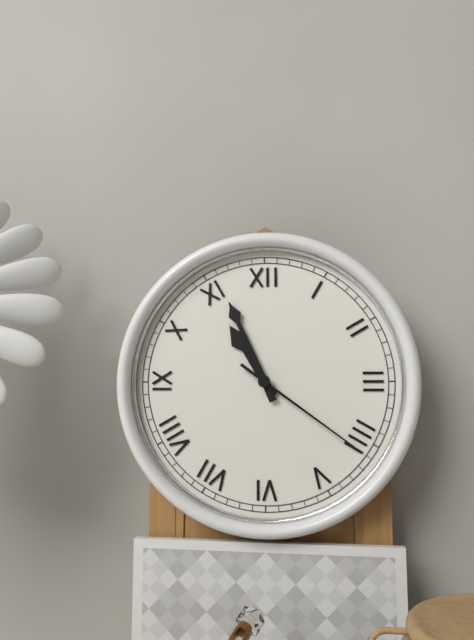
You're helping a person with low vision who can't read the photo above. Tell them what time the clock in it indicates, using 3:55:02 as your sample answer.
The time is 10:56:21
